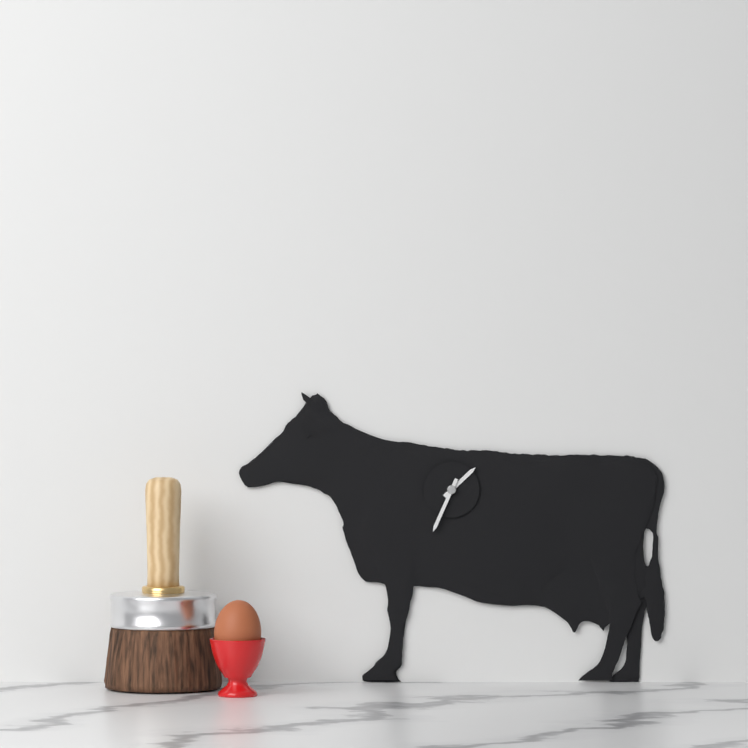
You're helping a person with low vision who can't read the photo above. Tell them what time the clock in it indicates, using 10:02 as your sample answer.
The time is 1:34
